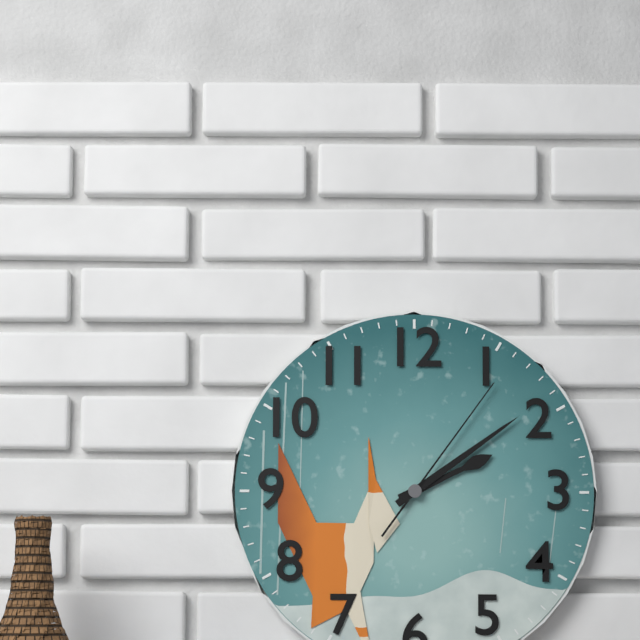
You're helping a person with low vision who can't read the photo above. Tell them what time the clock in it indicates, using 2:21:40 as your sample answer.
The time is 2:09:06
